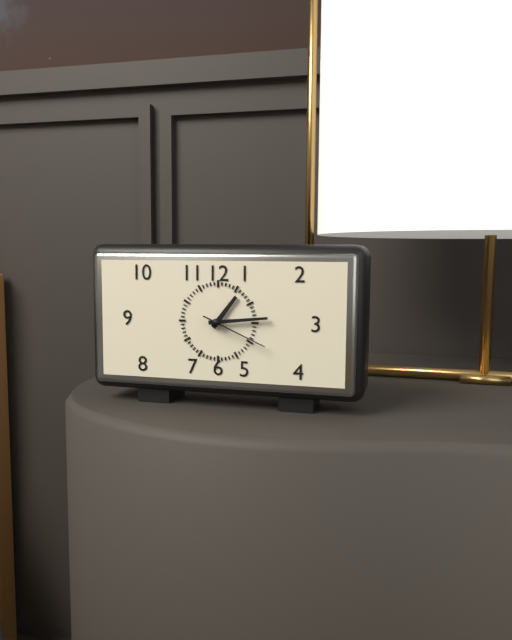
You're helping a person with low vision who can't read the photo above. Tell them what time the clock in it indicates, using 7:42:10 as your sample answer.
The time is 1:14:19
